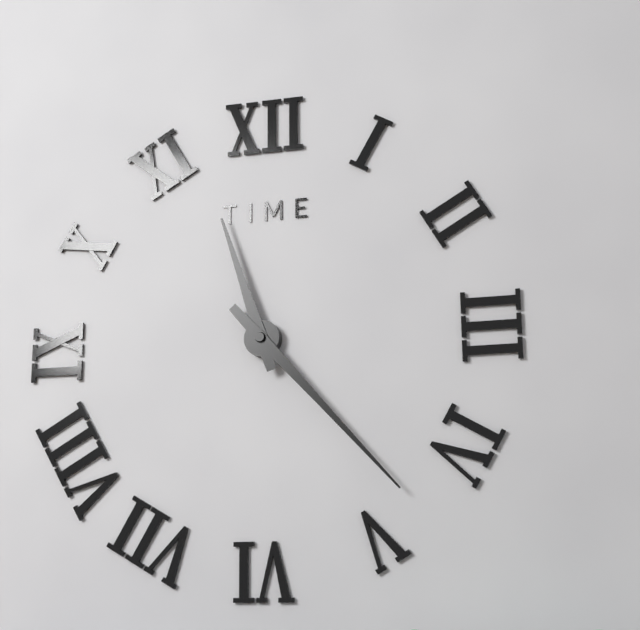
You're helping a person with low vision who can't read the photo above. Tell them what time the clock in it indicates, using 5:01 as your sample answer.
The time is 11:23
